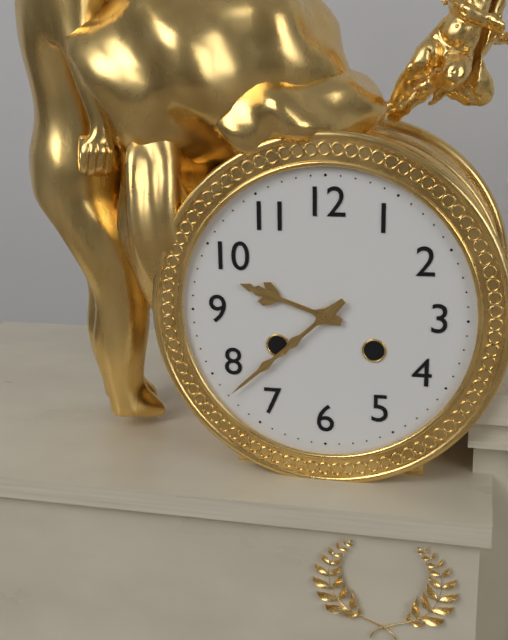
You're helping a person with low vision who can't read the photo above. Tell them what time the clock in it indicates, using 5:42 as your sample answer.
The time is 9:38
